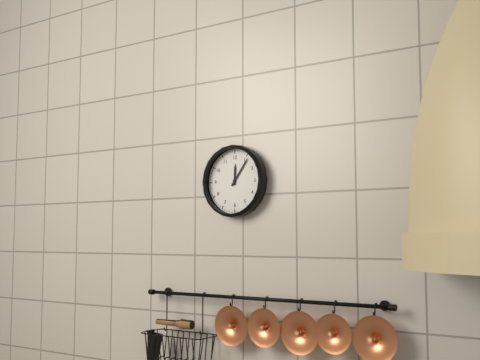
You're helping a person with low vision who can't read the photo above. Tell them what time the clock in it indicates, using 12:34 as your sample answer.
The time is 12:06
